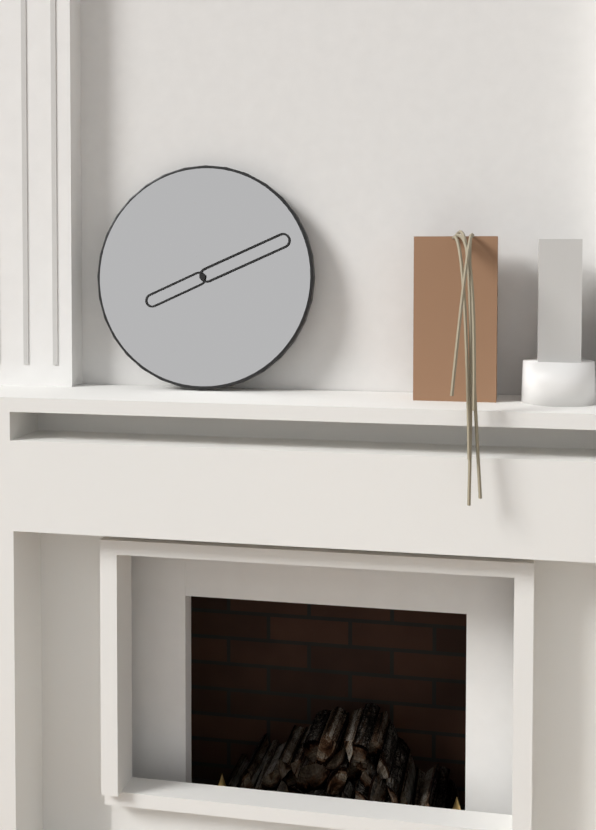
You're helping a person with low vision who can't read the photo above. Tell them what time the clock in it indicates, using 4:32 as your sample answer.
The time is 8:11
